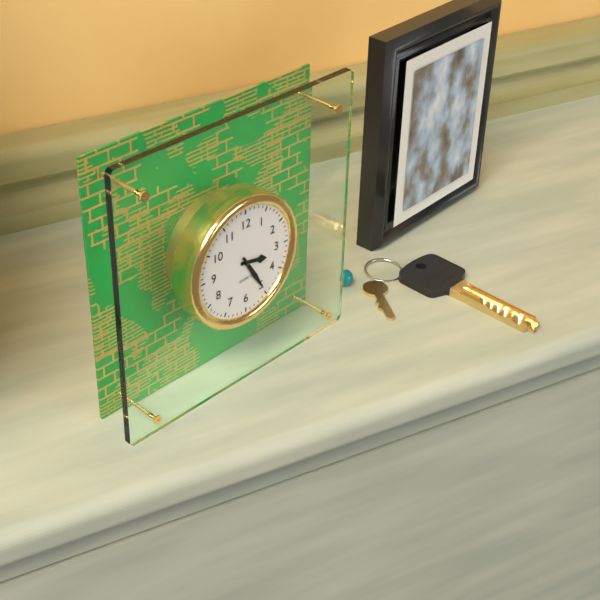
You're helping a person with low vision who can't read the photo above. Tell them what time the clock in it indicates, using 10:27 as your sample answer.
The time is 3:25
